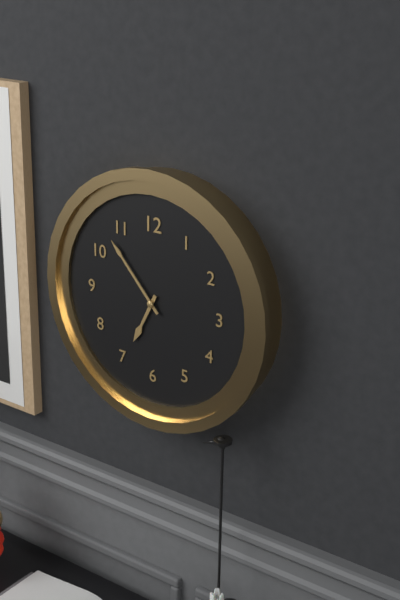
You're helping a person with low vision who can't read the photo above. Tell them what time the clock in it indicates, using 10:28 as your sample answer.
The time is 6:53
